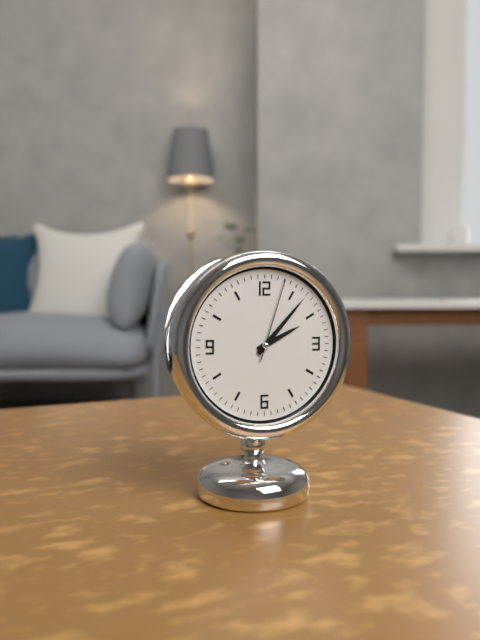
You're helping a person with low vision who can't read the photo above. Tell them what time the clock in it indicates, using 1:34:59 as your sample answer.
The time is 2:07:03
